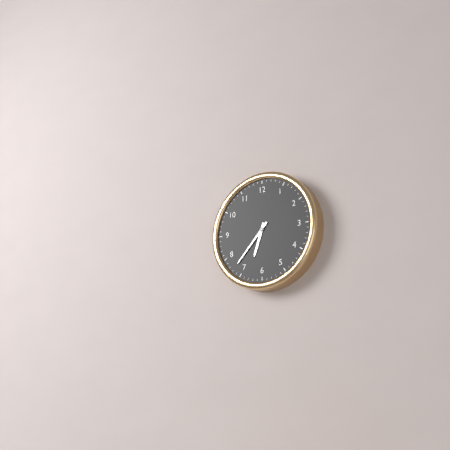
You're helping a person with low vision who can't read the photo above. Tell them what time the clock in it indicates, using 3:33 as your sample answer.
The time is 6:37
